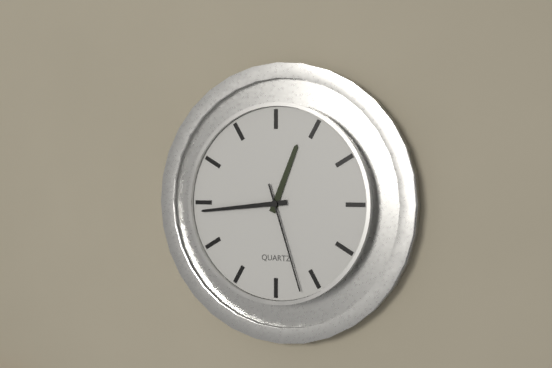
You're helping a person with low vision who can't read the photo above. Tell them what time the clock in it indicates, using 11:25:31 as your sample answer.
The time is 12:44:27
